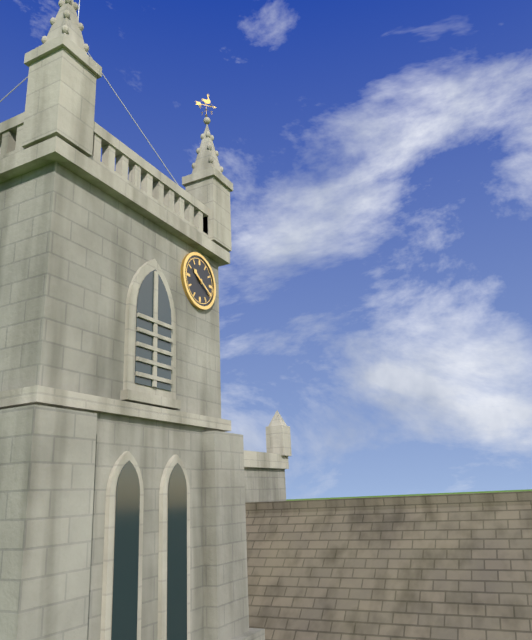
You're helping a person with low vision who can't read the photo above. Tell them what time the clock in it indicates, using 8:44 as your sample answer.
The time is 10:20
